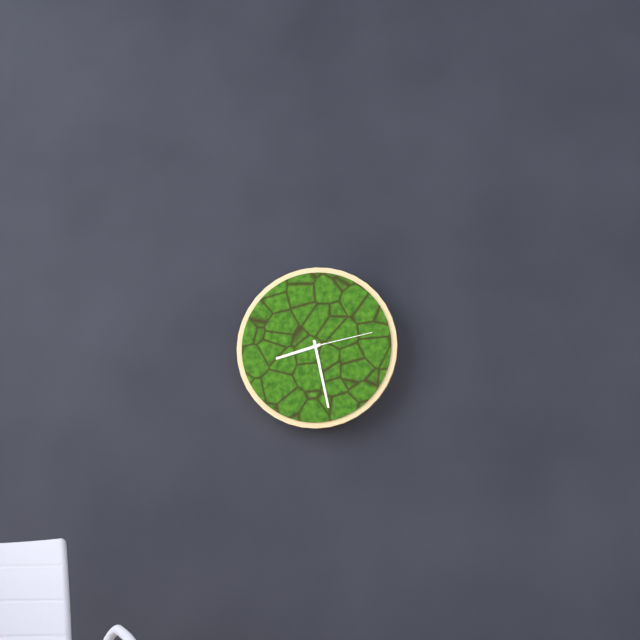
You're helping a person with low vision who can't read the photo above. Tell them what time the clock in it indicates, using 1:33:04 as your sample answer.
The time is 8:28:13
